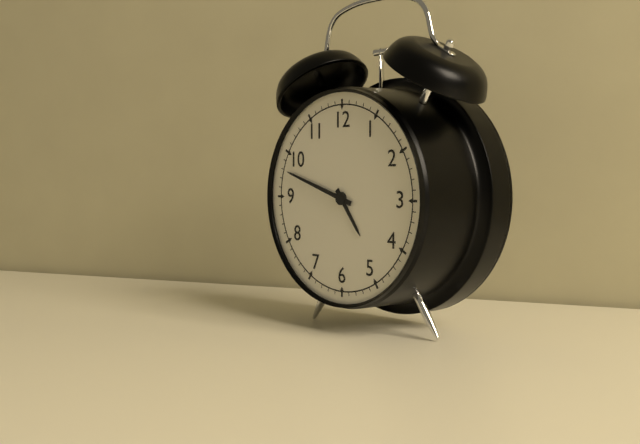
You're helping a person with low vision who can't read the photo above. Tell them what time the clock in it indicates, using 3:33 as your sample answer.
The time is 4:48
